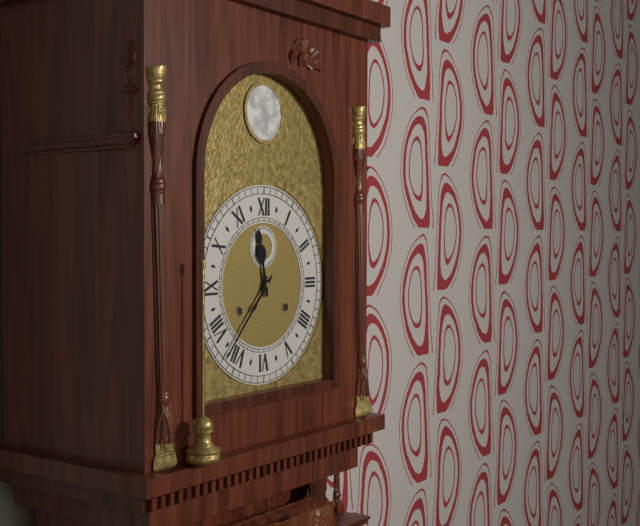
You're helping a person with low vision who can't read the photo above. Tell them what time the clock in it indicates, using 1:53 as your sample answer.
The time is 11:37
